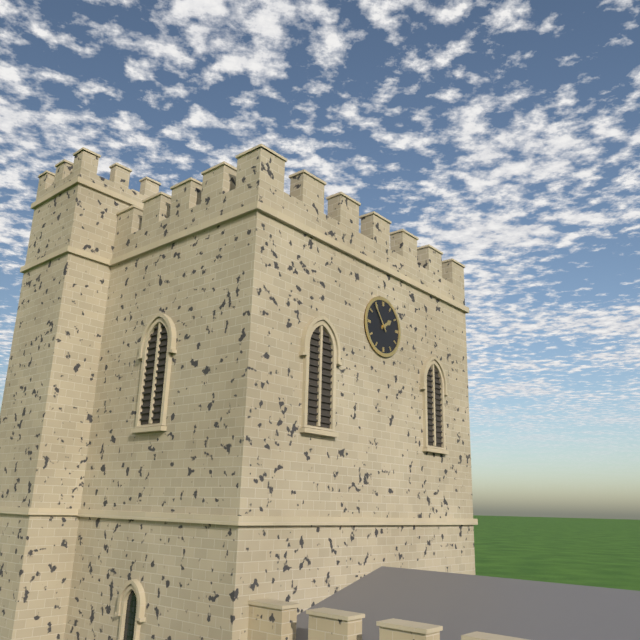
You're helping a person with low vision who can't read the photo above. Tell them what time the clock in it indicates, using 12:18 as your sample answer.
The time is 1:54
